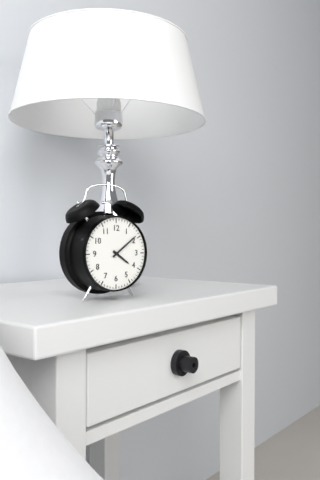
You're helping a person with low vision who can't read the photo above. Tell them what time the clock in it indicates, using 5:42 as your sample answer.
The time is 4:09
